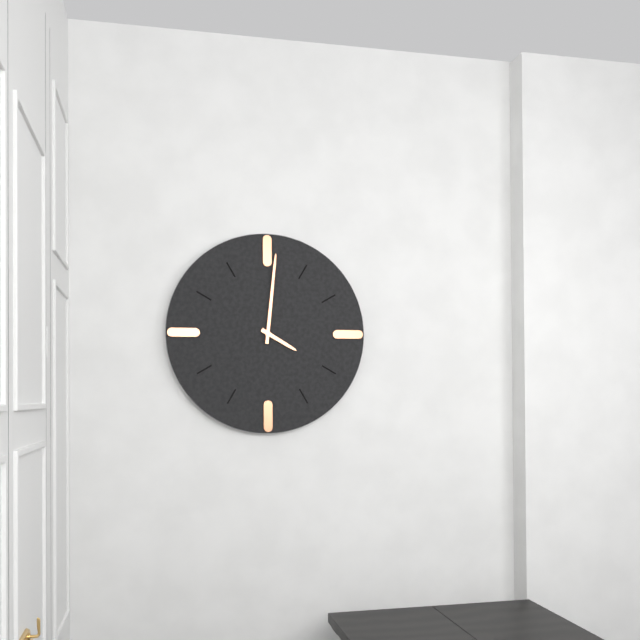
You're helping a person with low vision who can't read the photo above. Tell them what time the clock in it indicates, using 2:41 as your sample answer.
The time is 4:01
